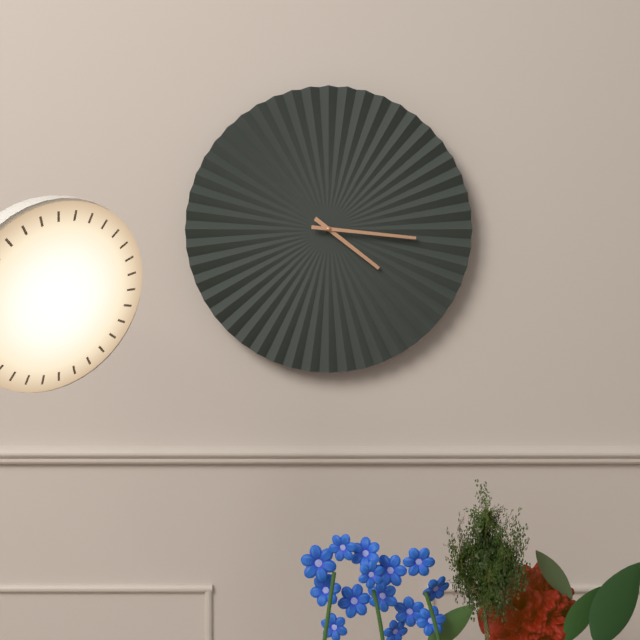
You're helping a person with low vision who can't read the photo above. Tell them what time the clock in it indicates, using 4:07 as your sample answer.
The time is 4:16
